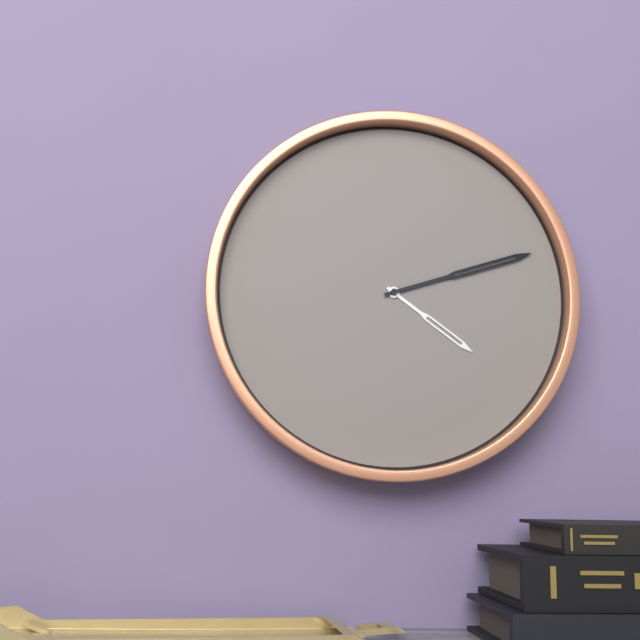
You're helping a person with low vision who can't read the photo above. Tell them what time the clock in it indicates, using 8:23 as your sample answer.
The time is 4:12
